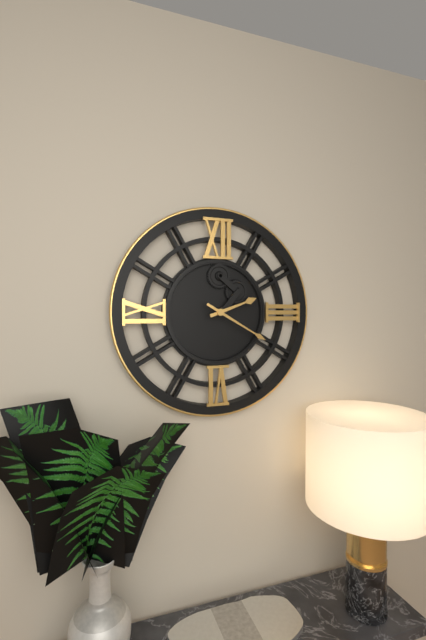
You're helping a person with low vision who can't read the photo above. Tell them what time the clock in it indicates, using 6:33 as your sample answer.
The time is 2:20
